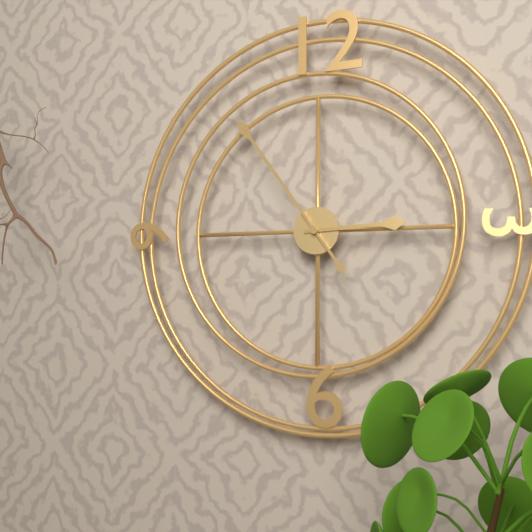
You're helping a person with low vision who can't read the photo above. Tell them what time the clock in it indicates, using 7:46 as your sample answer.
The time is 2:54
